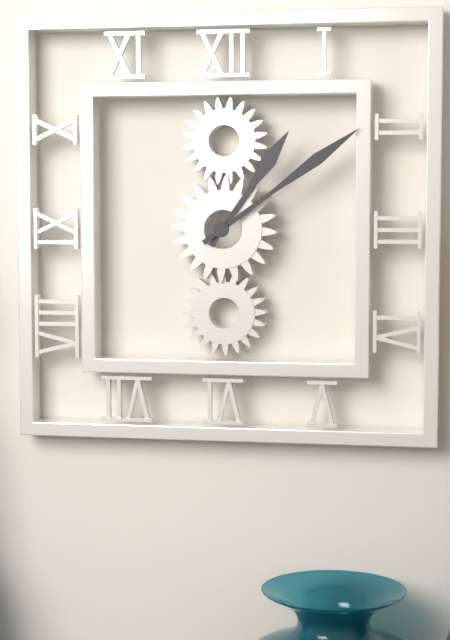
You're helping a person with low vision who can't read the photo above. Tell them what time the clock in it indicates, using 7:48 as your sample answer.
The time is 1:09
